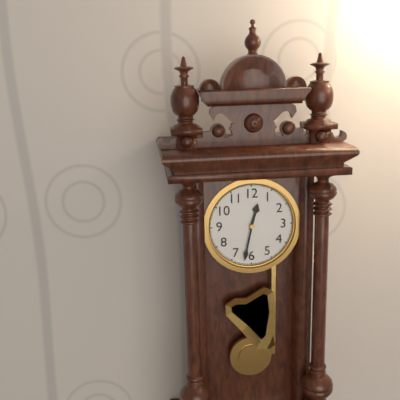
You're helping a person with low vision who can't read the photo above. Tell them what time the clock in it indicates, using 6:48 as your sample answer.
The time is 12:32
